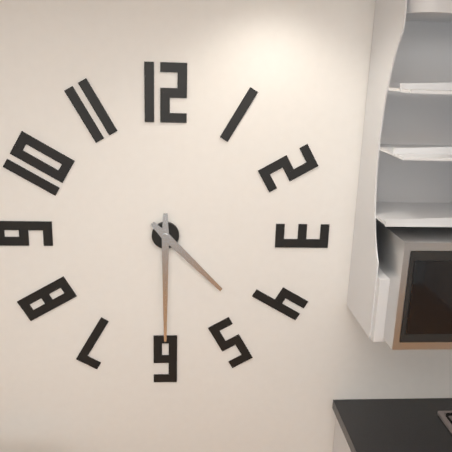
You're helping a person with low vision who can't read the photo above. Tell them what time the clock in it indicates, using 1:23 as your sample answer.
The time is 4:30
